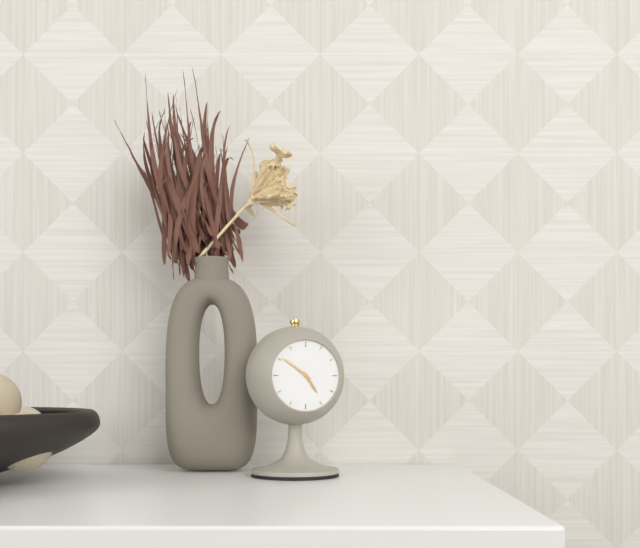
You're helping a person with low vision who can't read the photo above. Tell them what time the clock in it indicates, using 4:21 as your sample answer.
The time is 4:51
